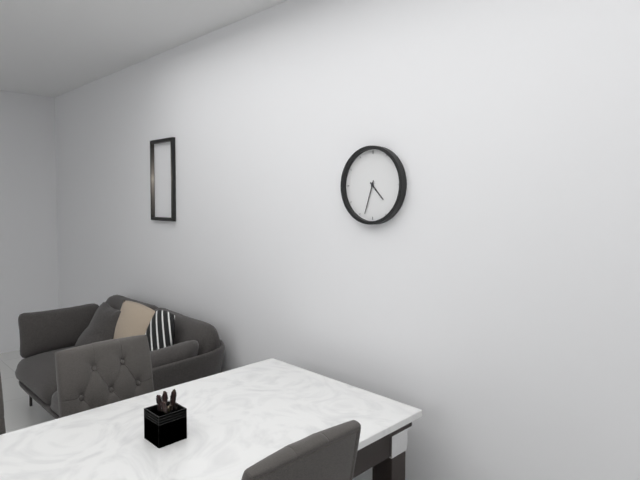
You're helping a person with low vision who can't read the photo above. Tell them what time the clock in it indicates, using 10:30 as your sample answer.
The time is 4:33
